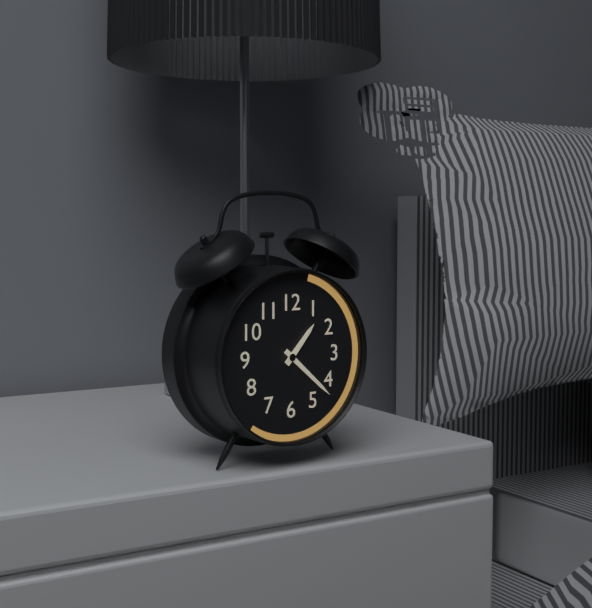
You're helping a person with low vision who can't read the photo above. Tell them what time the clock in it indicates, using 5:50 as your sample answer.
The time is 1:22
